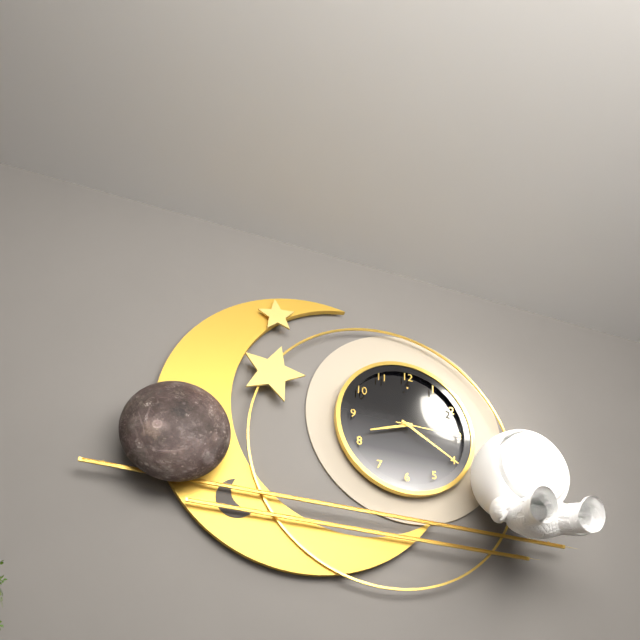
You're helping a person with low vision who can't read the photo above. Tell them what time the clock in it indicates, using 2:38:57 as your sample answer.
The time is 8:20:15
